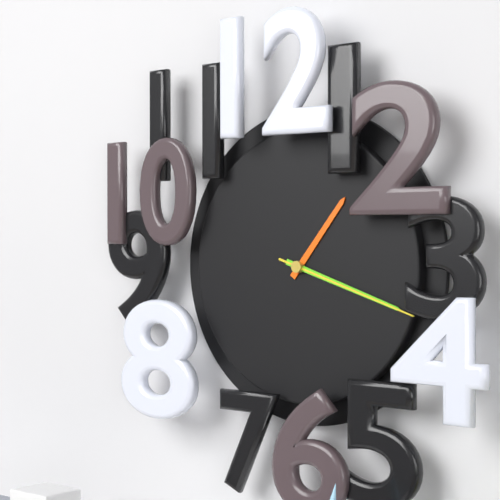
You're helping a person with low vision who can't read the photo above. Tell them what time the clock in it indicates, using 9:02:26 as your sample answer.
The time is 1:18:18
